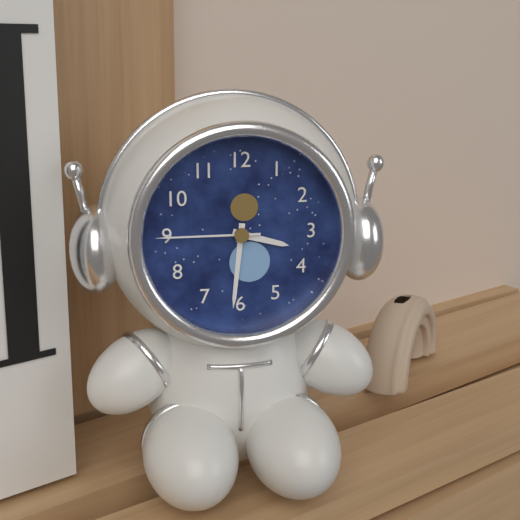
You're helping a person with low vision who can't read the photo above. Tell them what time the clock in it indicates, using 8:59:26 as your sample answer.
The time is 3:31:45
